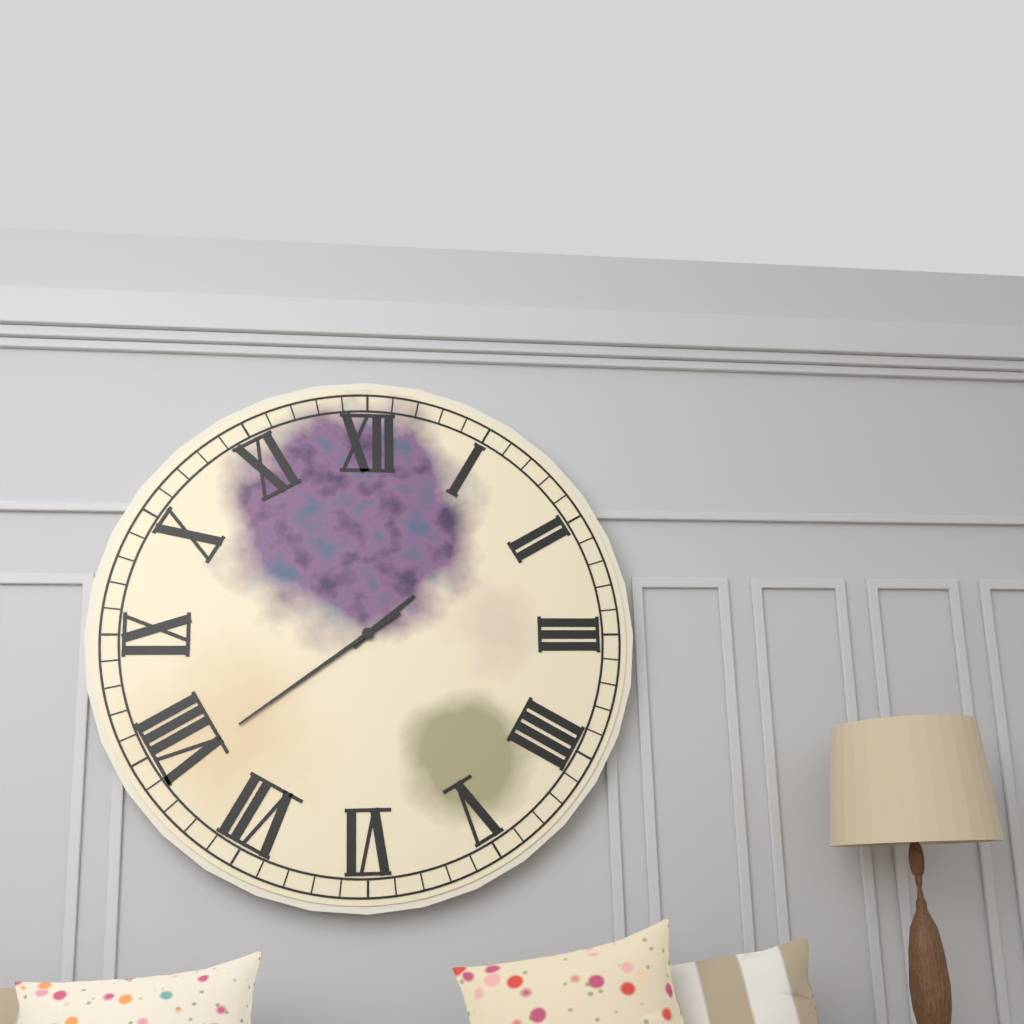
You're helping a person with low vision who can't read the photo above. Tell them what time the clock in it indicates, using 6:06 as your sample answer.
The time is 1:39
